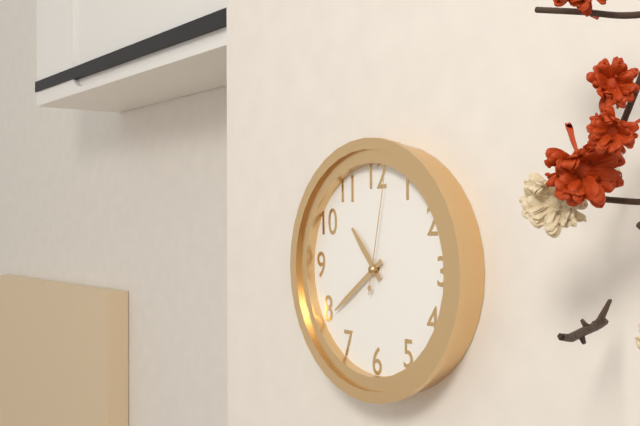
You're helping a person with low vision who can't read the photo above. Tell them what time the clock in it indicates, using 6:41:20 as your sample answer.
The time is 10:39:02
